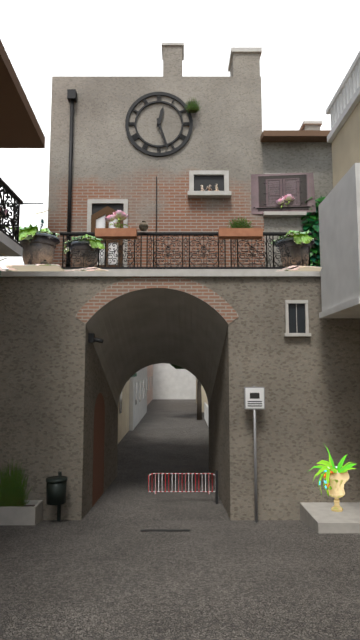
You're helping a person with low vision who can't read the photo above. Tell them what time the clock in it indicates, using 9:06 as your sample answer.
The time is 12:27
